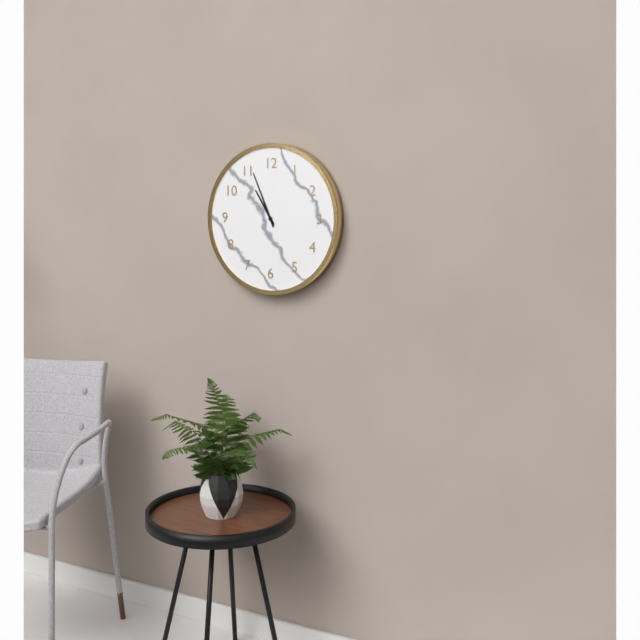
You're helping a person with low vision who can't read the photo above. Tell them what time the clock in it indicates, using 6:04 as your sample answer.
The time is 10:56
